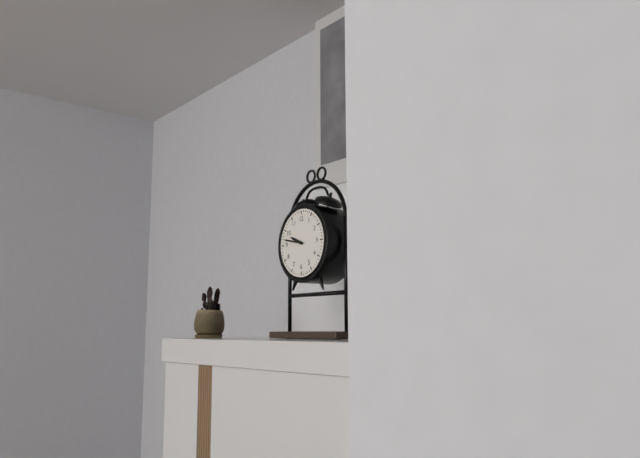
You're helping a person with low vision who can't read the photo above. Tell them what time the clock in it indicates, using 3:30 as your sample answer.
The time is 9:47
